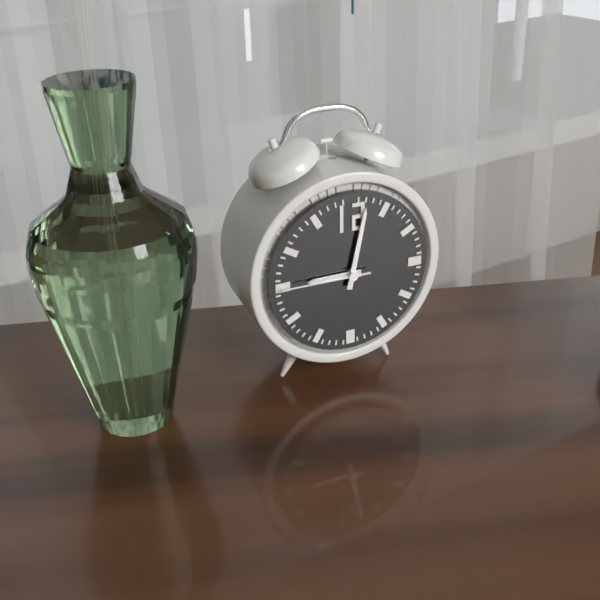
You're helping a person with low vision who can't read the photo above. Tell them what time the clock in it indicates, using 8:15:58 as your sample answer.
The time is 9:02:45
